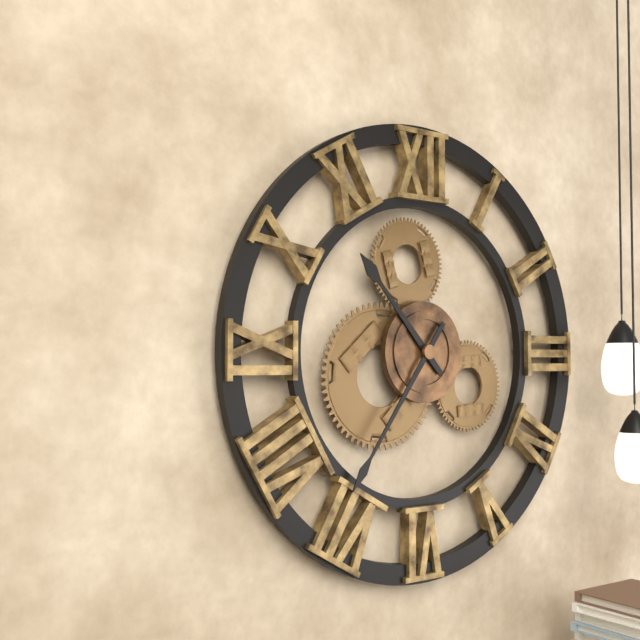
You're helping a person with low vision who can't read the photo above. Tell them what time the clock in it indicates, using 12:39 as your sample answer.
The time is 10:36
